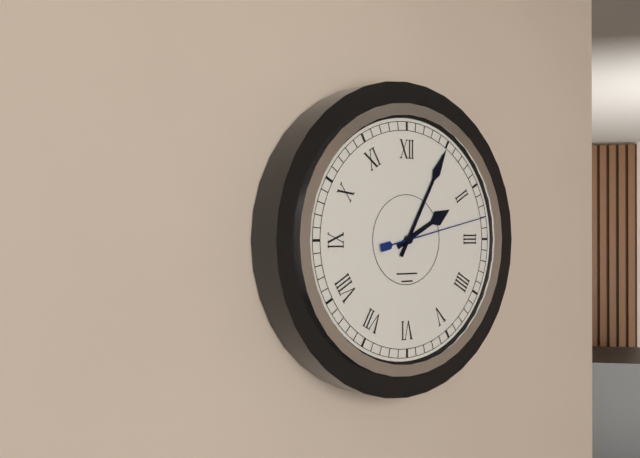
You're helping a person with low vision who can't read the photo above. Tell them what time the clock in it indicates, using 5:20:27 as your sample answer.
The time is 2:05:13
